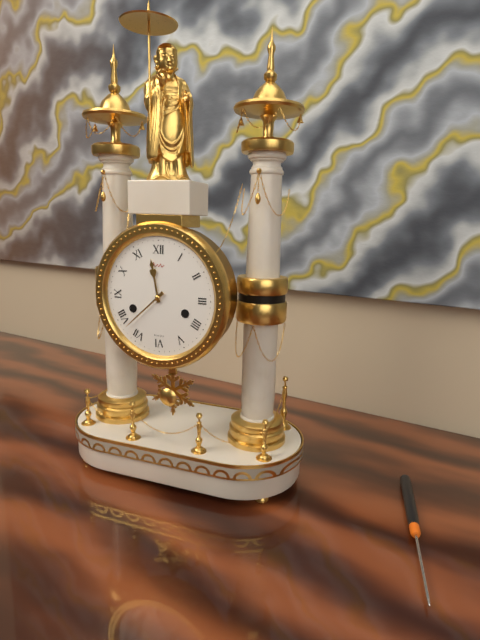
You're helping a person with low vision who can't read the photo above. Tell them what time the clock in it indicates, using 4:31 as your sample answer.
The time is 11:38
